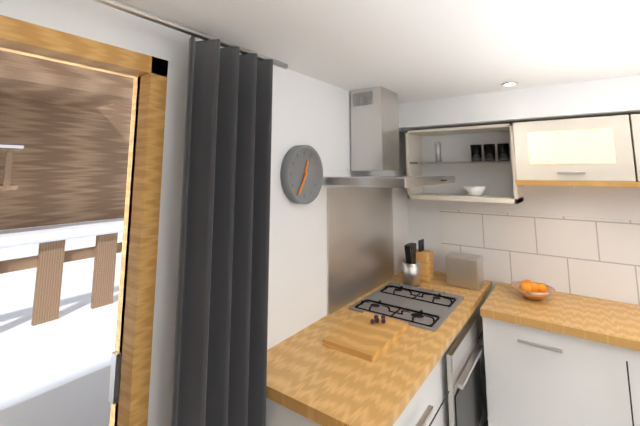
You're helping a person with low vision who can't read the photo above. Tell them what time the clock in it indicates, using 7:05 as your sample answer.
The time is 12:35
